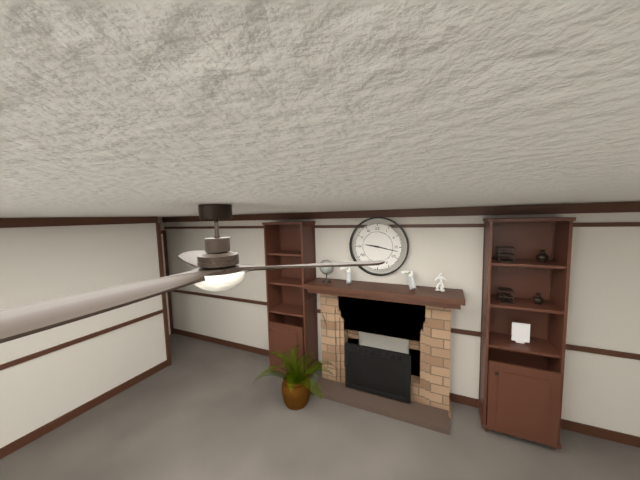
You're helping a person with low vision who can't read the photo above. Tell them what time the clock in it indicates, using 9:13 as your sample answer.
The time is 9:17
